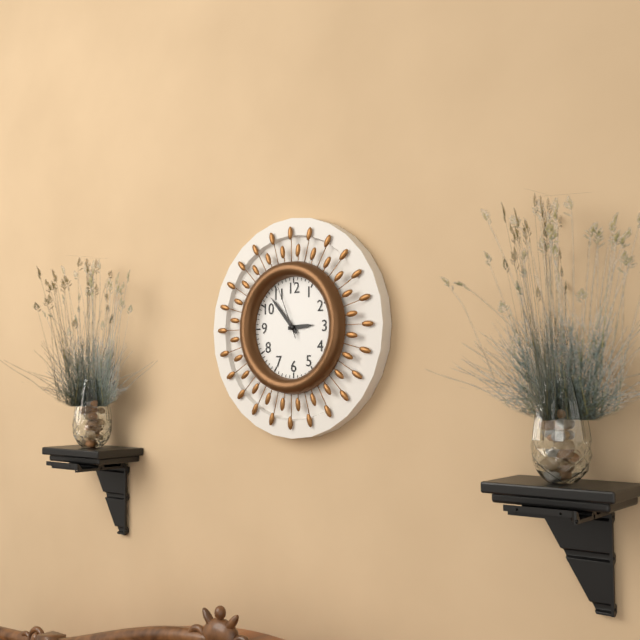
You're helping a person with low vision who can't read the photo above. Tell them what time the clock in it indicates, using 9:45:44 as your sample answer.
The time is 2:53:56
